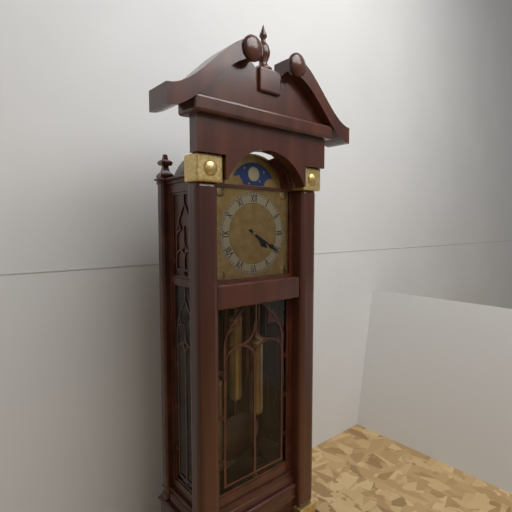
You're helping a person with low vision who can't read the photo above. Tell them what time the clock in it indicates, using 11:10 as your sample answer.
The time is 4:20
